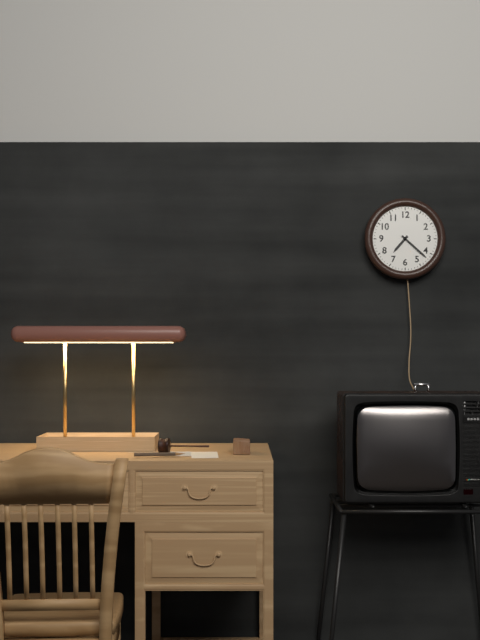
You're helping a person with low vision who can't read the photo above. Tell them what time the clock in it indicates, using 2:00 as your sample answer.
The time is 7:22
